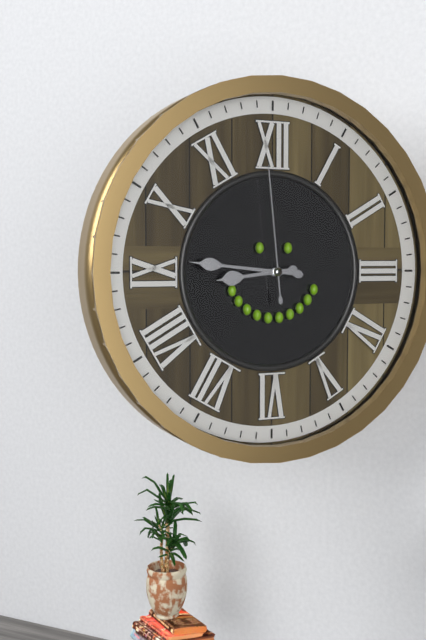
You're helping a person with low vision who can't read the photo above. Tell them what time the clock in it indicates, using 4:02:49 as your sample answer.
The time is 8:46:59
